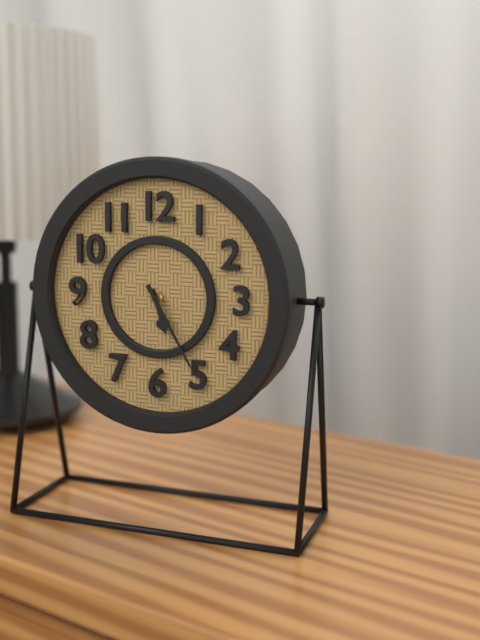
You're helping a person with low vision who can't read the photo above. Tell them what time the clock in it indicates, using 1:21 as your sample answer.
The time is 5:25
